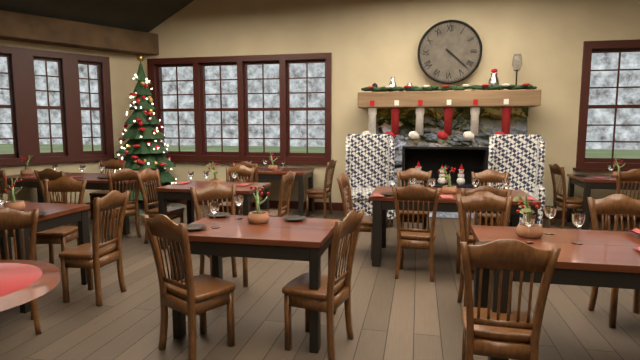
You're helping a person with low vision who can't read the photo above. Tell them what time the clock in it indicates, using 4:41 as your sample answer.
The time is 4:22
